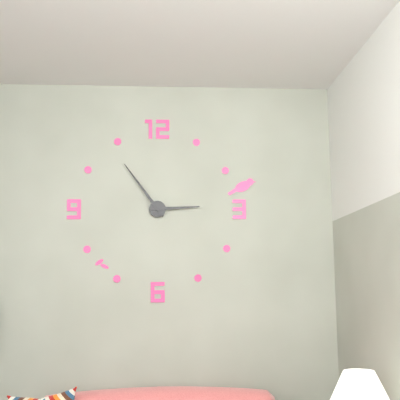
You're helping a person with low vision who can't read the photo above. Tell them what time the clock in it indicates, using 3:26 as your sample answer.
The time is 2:54
